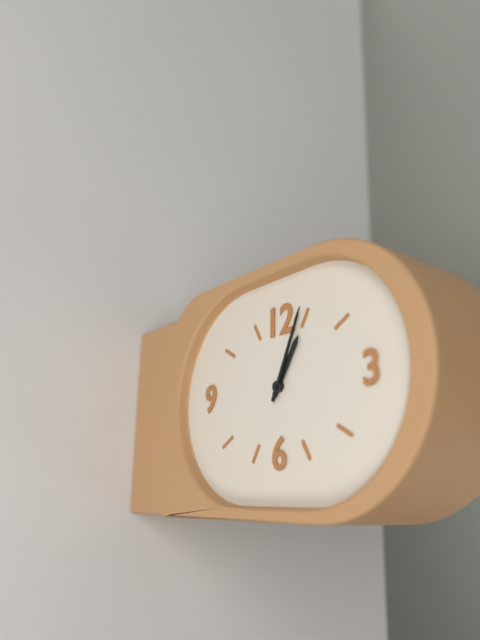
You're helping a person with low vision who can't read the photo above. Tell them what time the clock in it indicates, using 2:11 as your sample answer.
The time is 1:04
